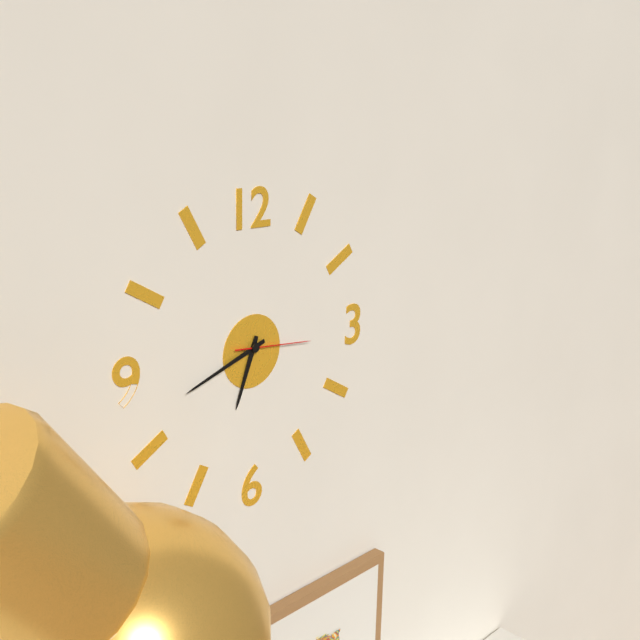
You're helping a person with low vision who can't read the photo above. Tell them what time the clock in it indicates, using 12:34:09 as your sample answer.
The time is 6:42:16
